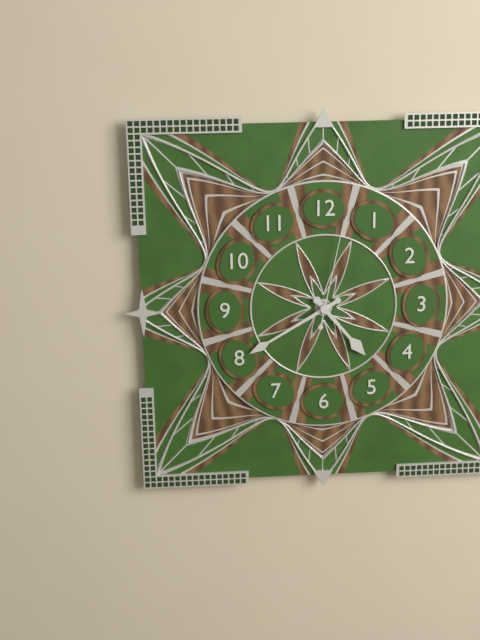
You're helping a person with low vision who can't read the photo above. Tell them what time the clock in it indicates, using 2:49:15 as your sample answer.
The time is 4:40:02
